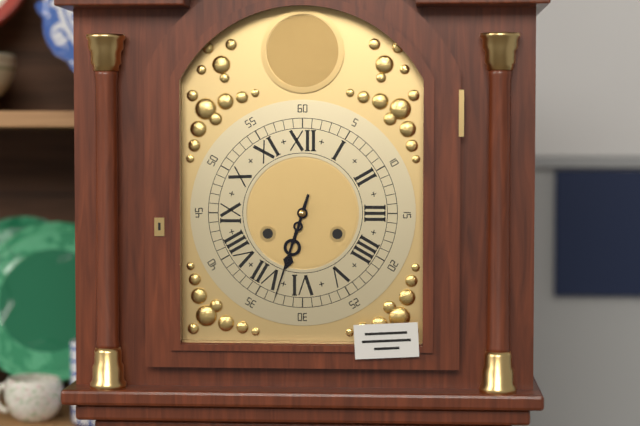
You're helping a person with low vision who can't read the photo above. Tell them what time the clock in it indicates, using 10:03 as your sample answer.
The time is 6:33
